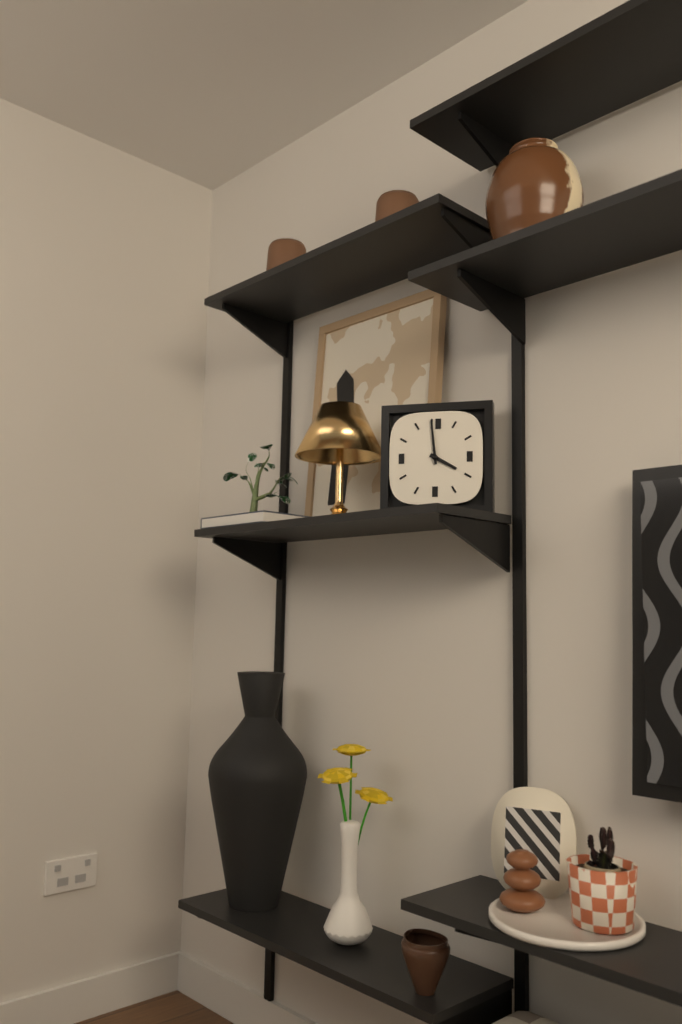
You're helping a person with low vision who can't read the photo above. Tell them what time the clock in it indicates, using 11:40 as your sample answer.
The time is 3:59
